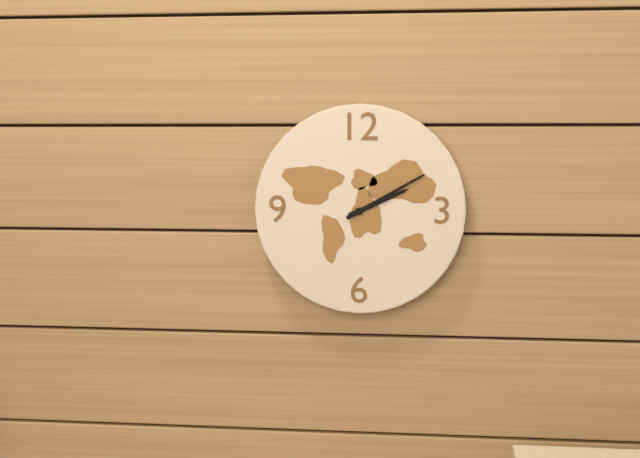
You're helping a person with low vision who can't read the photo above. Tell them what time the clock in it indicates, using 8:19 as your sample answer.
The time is 2:10
